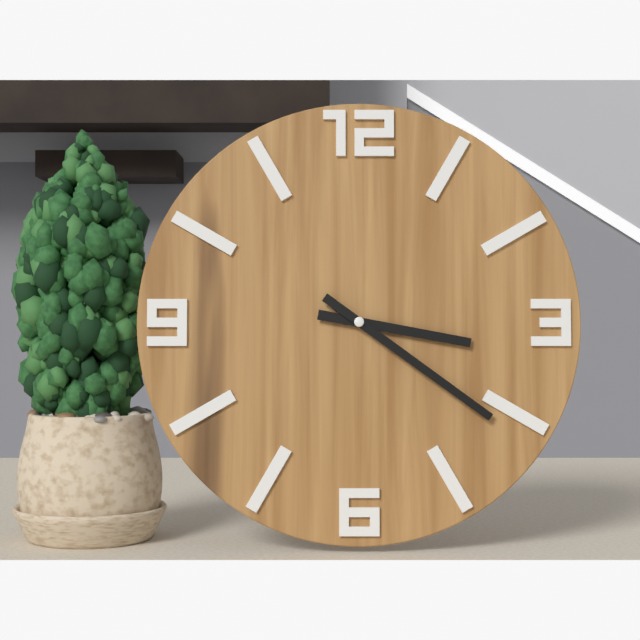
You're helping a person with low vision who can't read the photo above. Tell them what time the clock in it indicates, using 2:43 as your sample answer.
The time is 3:21
